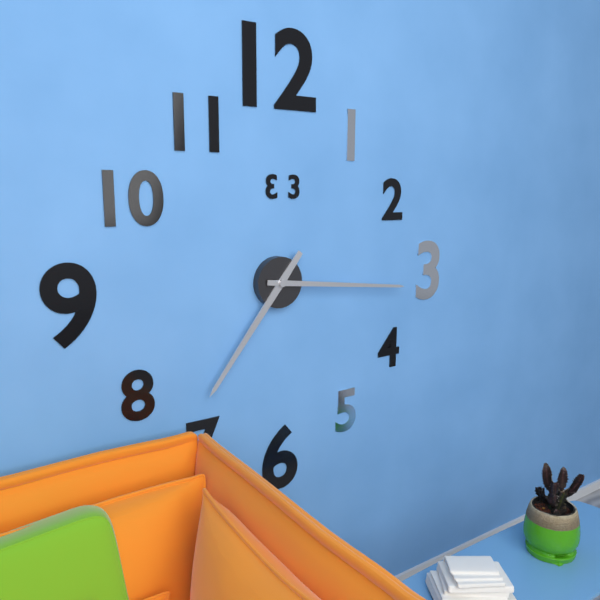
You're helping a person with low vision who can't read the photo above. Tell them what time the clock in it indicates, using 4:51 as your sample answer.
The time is 7:16
